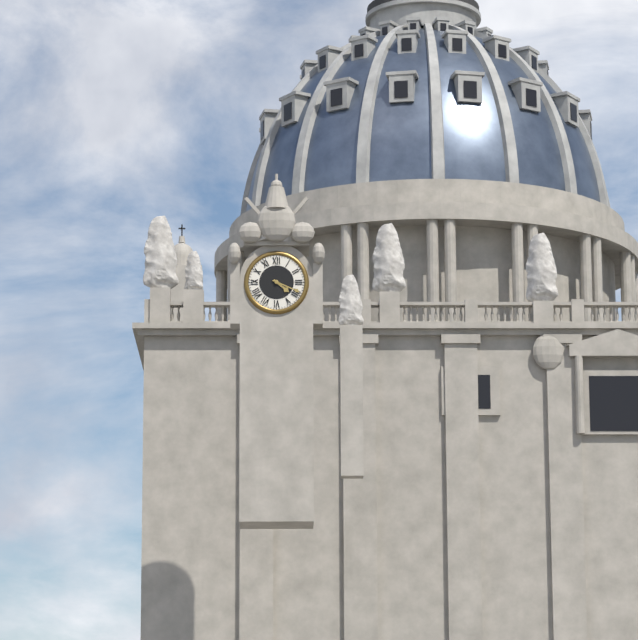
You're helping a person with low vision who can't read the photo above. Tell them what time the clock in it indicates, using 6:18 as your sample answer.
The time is 4:19
